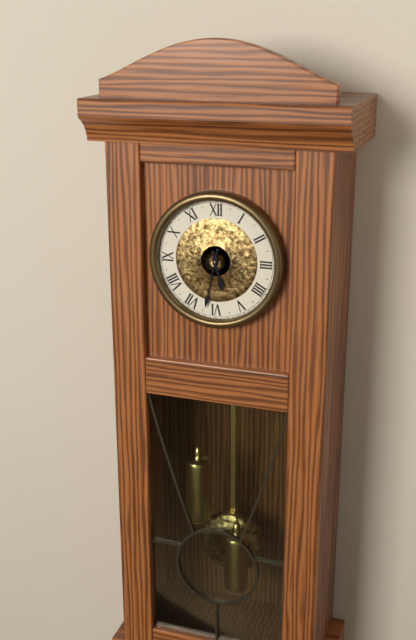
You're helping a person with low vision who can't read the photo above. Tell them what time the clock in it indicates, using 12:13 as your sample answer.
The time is 5:32
